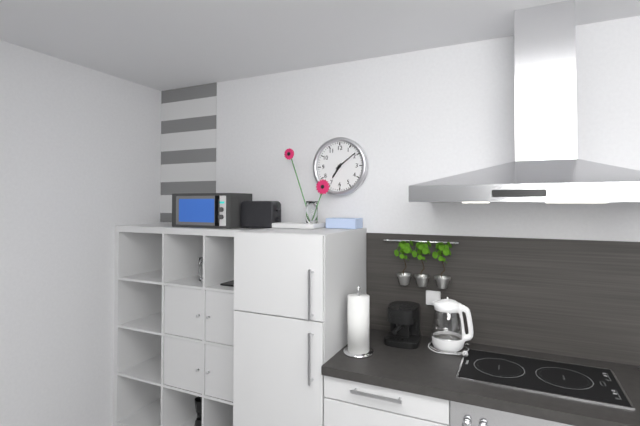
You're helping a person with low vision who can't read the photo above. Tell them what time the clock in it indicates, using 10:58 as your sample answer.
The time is 7:09
